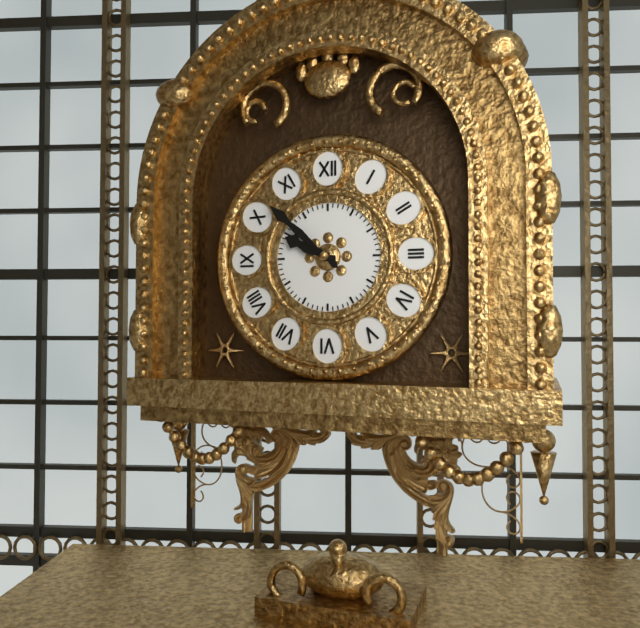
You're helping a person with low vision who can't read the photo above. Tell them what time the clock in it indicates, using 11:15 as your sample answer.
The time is 9:52
